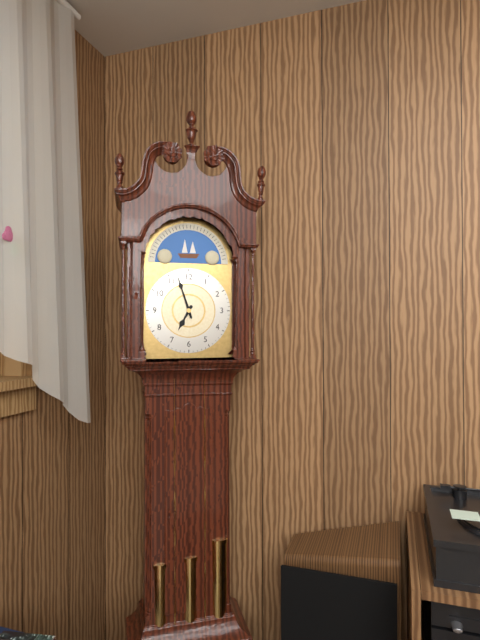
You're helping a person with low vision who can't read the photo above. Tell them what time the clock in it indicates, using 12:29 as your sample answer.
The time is 6:57
